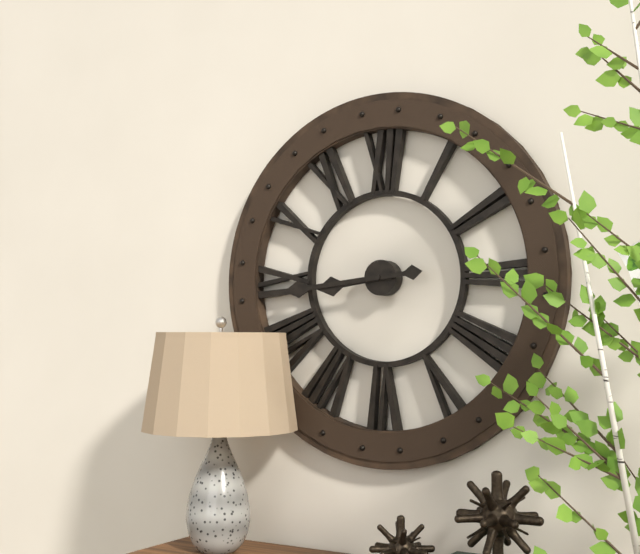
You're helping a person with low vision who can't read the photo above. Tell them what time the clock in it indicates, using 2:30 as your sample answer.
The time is 8:44
